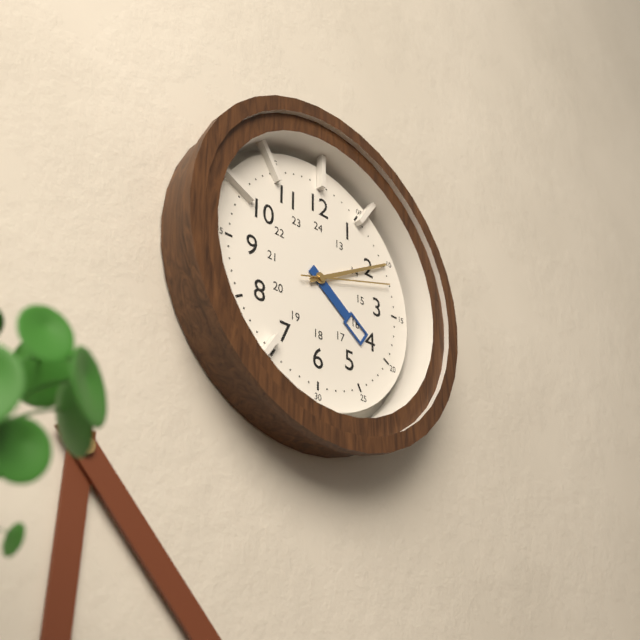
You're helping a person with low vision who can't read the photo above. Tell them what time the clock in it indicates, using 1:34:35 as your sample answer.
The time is 4:10:12
